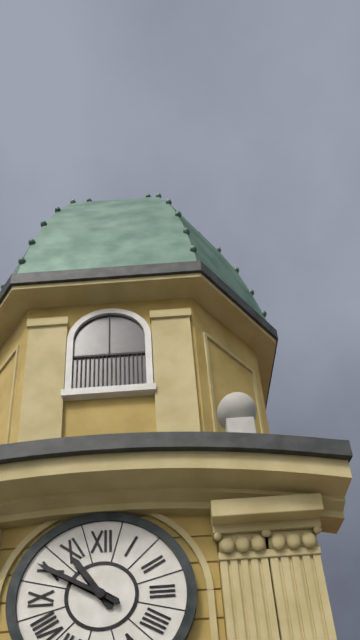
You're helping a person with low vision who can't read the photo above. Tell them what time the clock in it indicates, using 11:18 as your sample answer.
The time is 10:50
